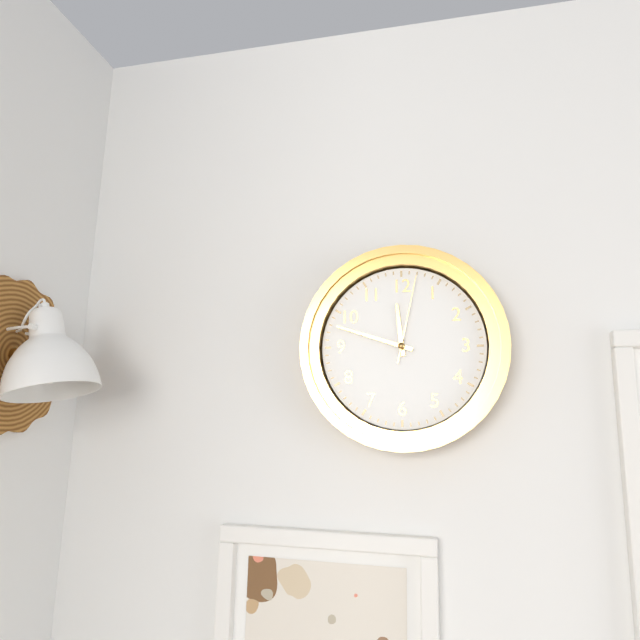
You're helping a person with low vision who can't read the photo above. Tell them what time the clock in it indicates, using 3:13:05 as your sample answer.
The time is 11:48:02
